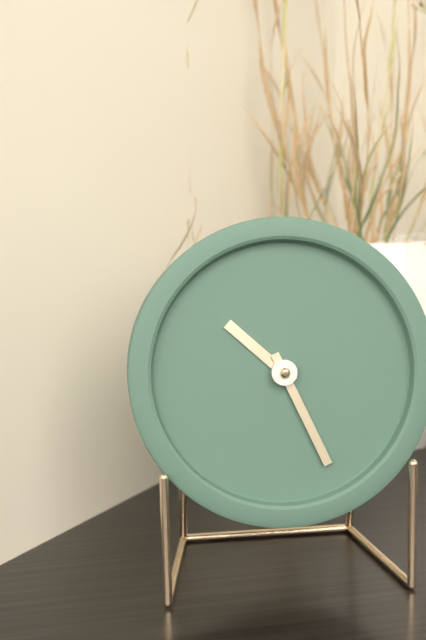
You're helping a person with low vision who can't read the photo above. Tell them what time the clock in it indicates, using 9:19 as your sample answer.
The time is 10:26
